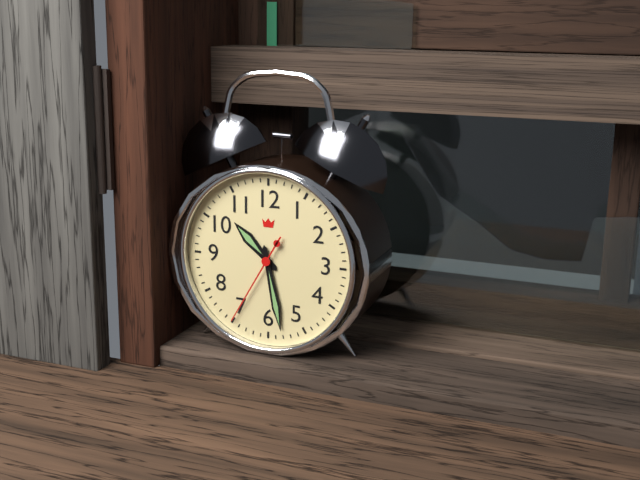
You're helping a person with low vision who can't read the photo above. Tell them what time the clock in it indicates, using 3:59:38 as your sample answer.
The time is 10:28:35
